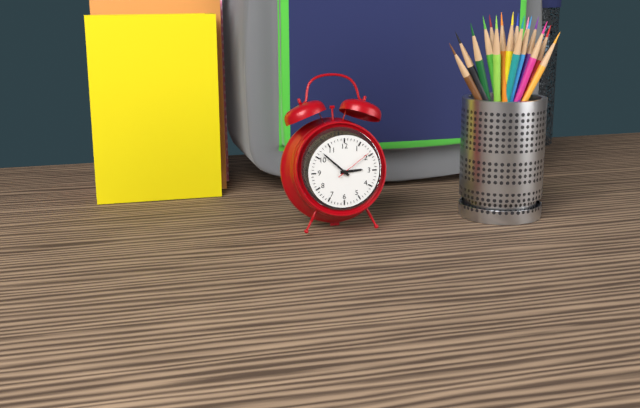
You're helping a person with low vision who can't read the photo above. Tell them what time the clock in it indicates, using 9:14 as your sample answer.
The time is 2:52
